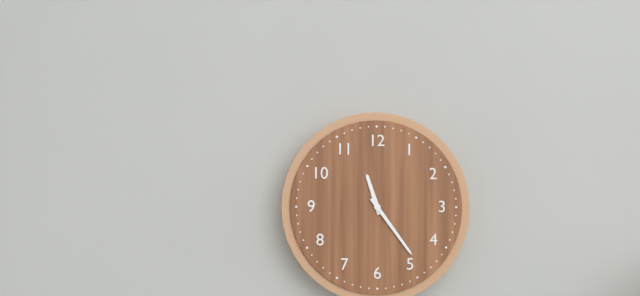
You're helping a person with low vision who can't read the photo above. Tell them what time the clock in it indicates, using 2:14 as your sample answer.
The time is 11:24
